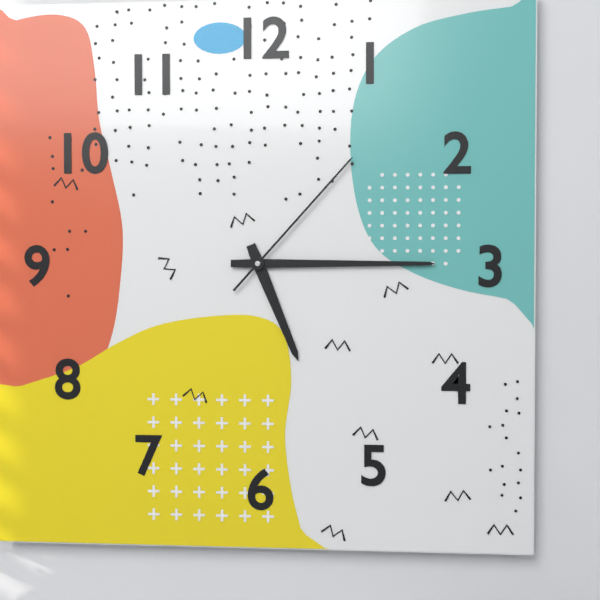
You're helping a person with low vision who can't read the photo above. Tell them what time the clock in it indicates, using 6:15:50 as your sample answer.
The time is 5:15:07
